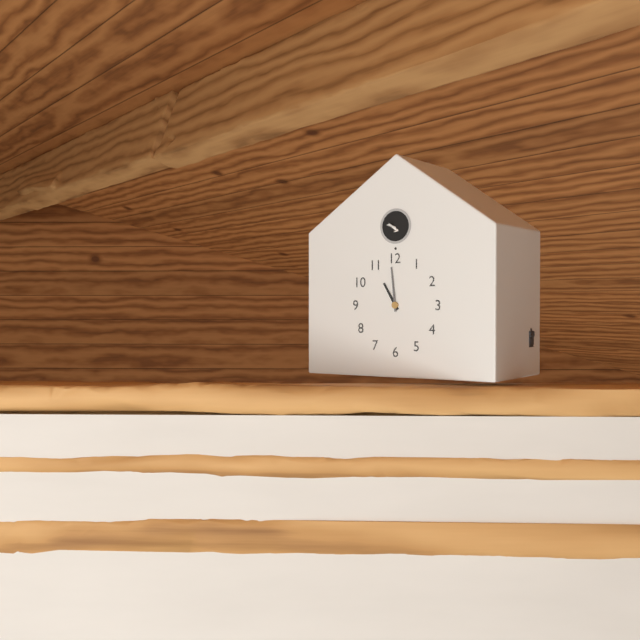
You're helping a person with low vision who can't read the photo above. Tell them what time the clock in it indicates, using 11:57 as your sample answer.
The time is 10:59
